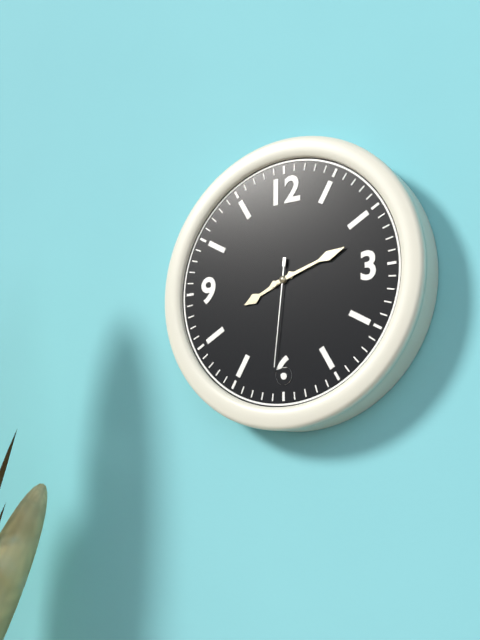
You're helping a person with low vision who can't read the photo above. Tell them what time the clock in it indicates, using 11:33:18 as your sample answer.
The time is 8:12:31
